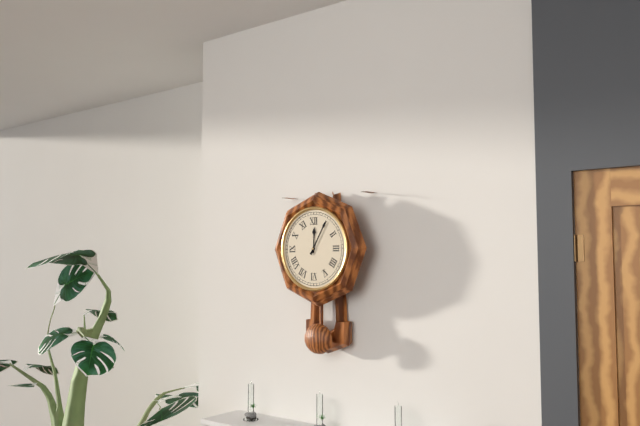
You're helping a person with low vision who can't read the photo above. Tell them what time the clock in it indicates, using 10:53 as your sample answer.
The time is 12:05
